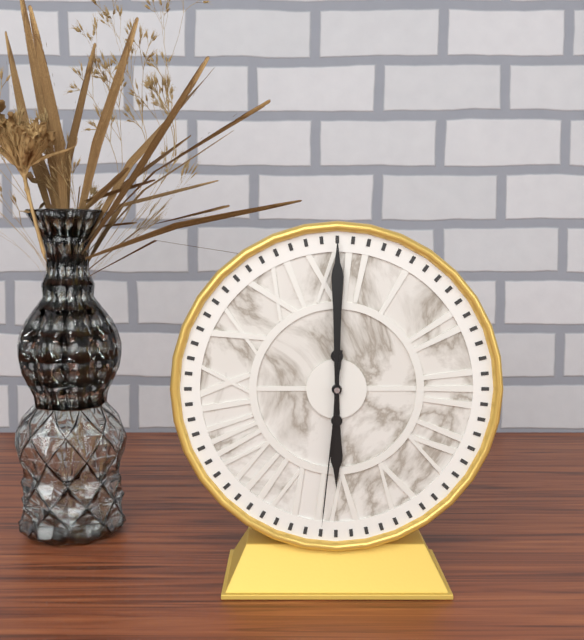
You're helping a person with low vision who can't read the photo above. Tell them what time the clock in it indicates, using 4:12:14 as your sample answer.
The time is 6:00:31
